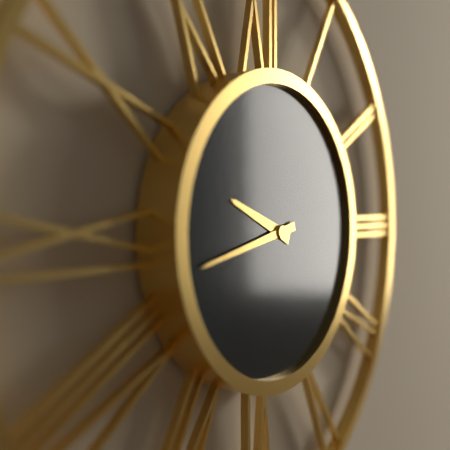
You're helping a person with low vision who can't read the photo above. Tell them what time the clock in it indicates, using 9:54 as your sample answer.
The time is 9:43
